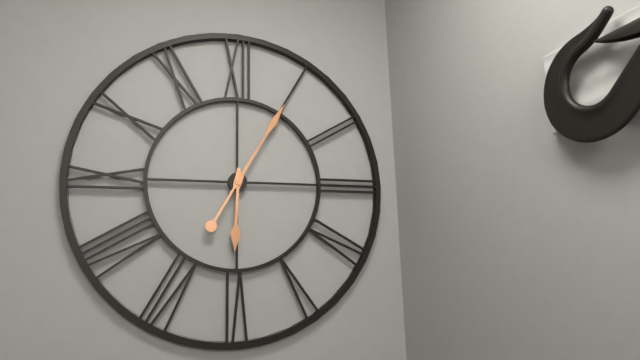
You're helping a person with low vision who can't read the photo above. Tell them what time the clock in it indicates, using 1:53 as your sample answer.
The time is 6:05
